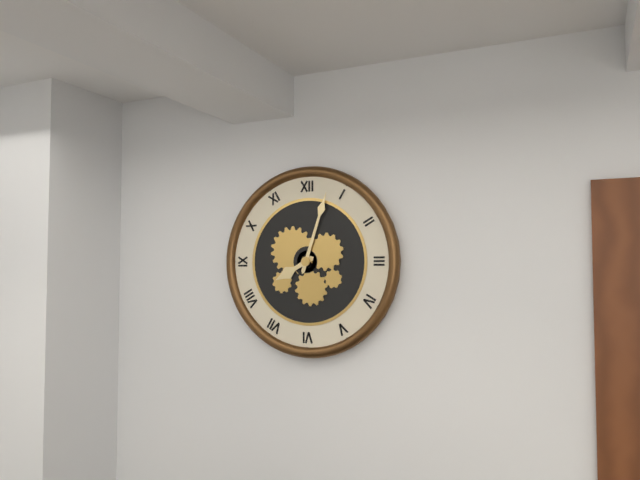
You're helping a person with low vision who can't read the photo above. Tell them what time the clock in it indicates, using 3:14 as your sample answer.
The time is 8:03
